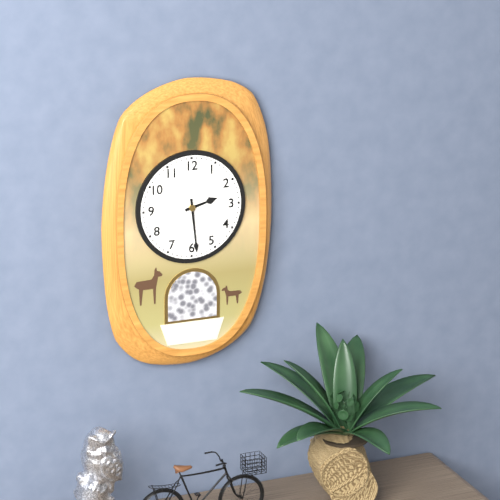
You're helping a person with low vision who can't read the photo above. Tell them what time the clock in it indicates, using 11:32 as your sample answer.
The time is 2:29
